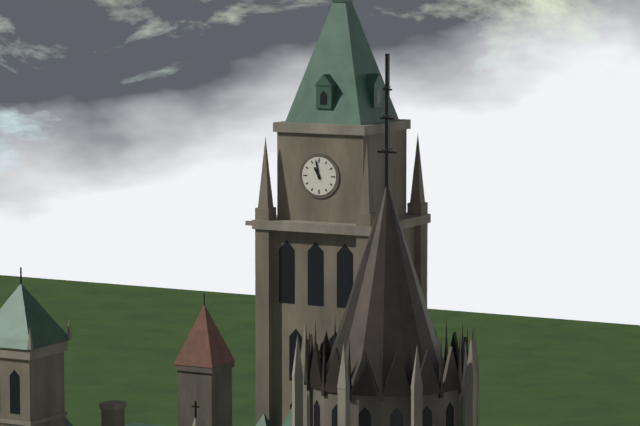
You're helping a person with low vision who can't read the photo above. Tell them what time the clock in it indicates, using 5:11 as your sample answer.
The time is 10:58
